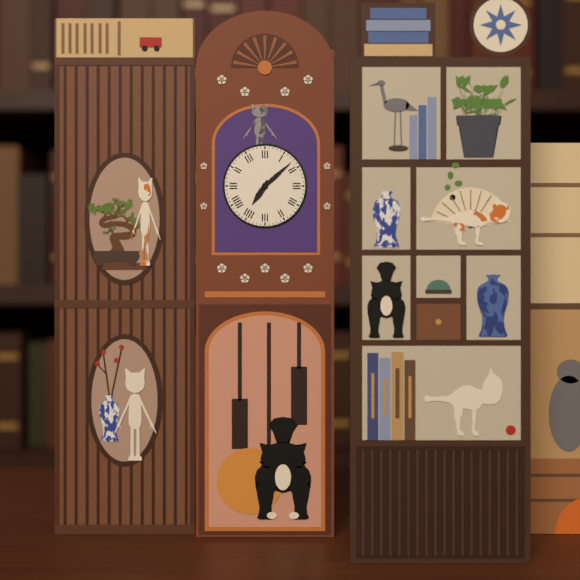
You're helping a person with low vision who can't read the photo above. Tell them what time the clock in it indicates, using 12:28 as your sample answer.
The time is 7:08
